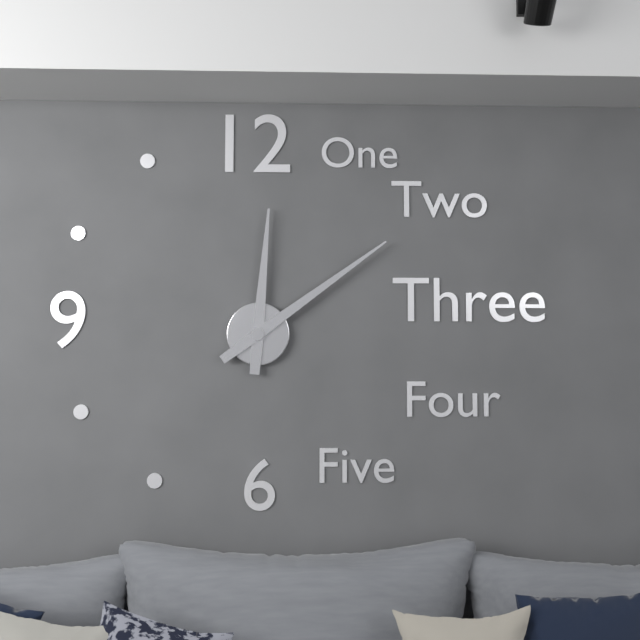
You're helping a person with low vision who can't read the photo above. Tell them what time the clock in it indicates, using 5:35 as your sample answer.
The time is 12:09
